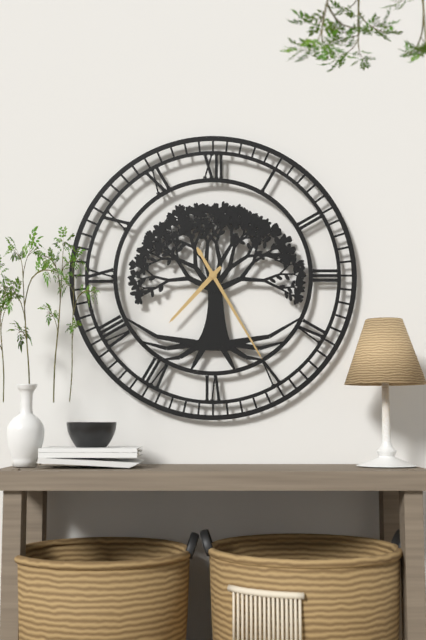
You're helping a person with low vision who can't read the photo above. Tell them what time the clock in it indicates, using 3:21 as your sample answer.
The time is 7:25
